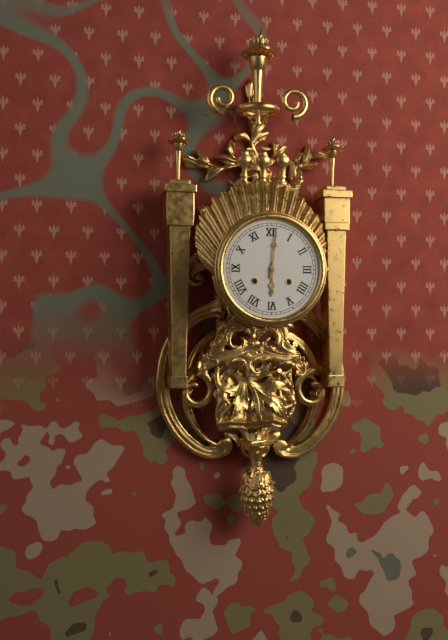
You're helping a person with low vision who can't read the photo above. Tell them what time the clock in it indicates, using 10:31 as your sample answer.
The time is 6:01
